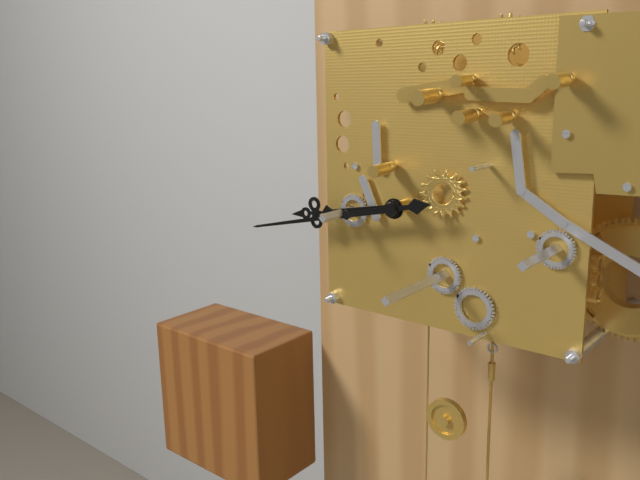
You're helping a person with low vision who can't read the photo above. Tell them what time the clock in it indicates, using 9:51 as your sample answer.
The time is 8:43
